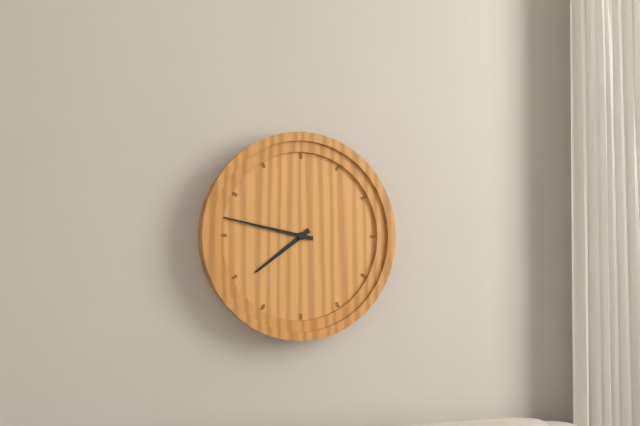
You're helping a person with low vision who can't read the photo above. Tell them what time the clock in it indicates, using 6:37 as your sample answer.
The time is 7:47
